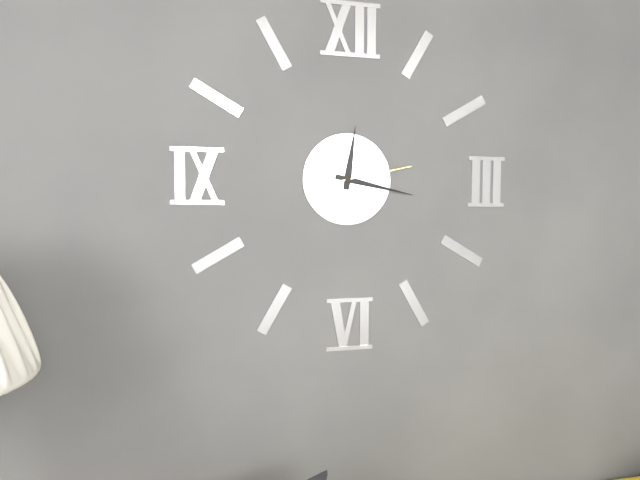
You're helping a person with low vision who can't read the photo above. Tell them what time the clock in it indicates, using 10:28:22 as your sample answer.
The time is 12:17:13
